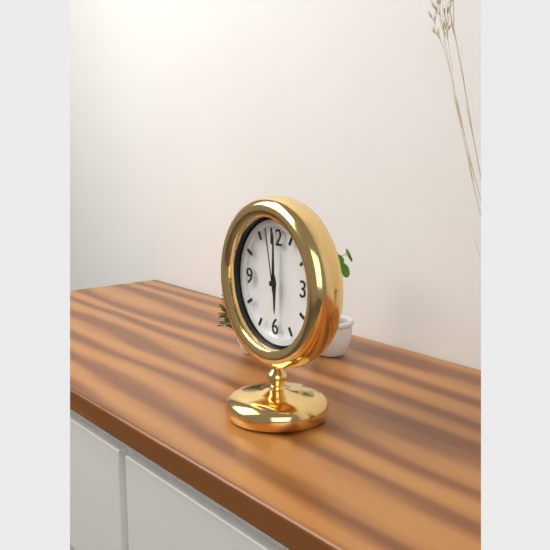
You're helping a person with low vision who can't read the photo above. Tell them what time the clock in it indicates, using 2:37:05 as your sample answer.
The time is 6:00:58
